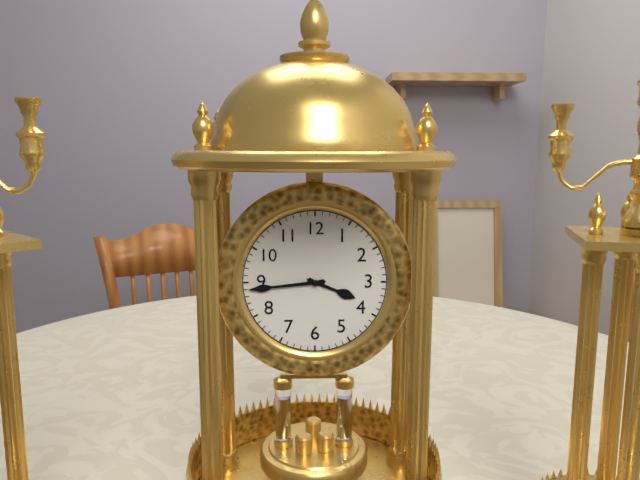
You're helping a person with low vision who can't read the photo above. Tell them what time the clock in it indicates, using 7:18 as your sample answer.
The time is 3:44
